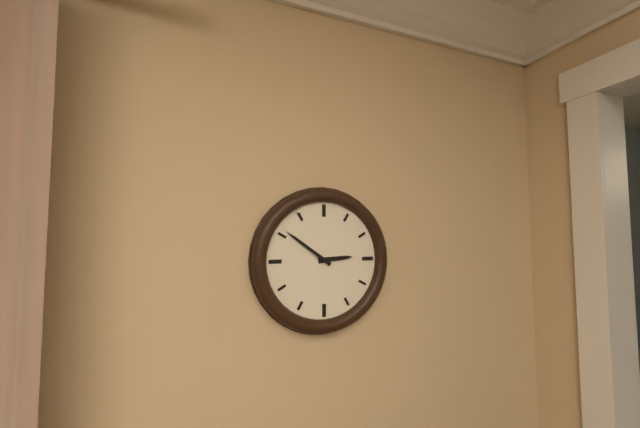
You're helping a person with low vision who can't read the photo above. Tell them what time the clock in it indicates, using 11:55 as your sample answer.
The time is 2:51
